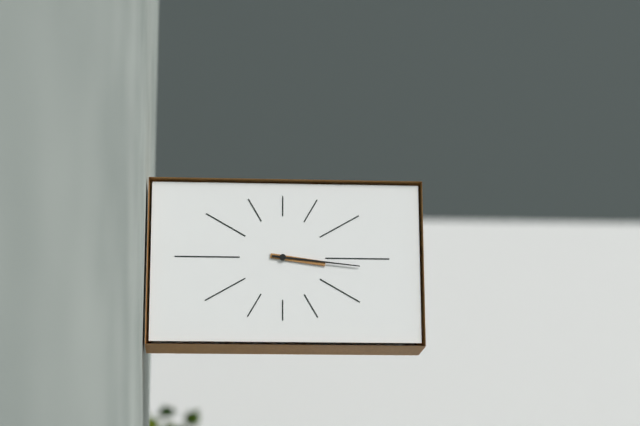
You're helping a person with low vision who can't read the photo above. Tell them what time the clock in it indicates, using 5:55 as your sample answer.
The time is 3:16
